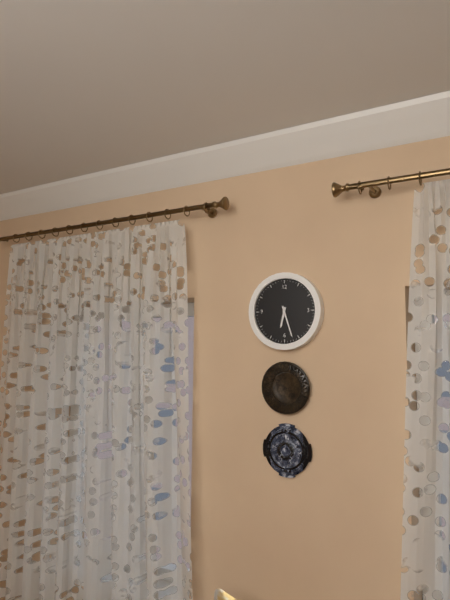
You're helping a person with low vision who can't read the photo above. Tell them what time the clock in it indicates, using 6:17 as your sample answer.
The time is 6:27
